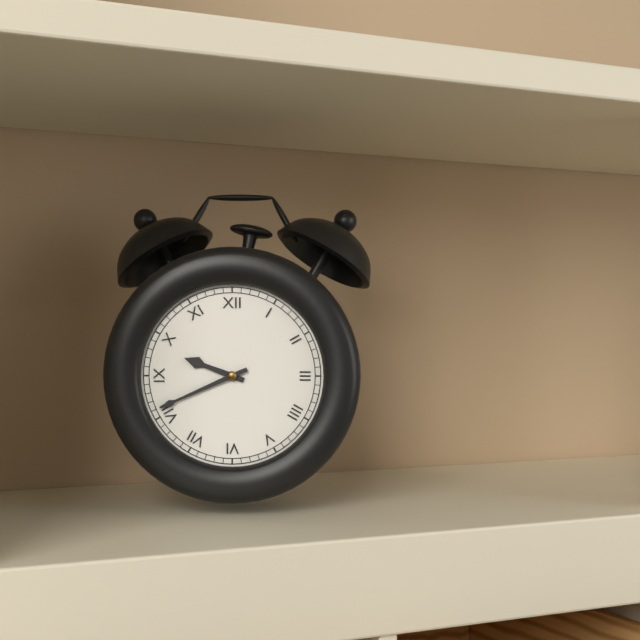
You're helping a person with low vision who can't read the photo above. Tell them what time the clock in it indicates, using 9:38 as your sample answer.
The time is 9:41
